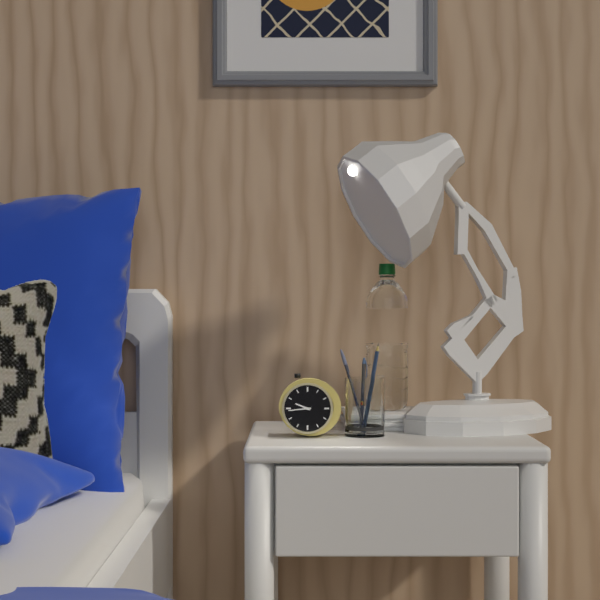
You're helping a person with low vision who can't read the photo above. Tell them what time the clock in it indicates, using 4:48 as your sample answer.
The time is 9:44
